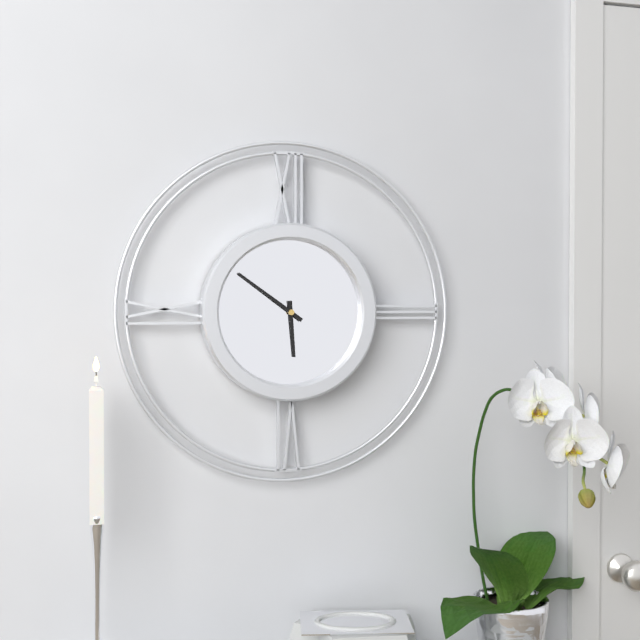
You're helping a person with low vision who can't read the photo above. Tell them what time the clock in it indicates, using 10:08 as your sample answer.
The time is 5:51
